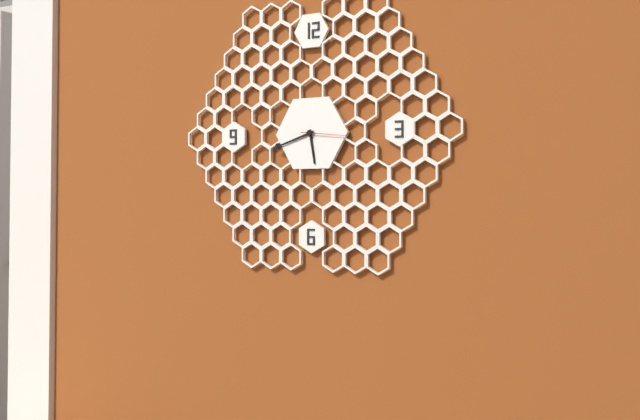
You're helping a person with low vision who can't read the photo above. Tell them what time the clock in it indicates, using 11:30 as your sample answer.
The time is 5:42
